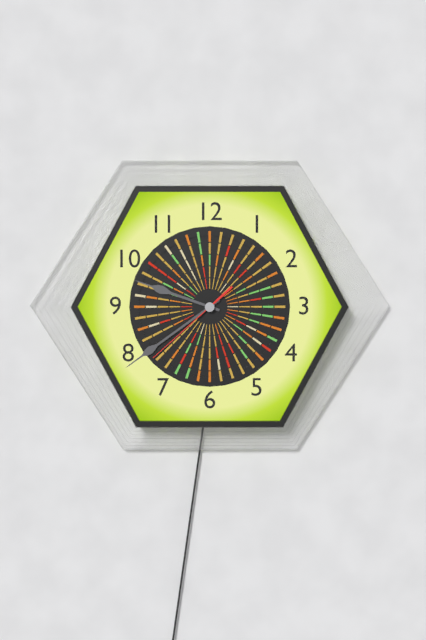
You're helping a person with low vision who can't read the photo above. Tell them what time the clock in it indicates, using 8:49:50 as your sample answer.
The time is 9:39:38
